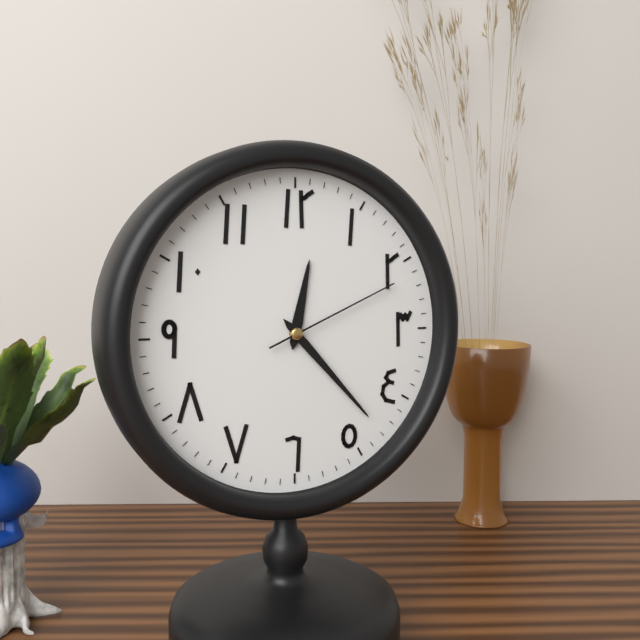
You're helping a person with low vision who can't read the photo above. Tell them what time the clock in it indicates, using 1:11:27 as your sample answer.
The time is 12:23:11
